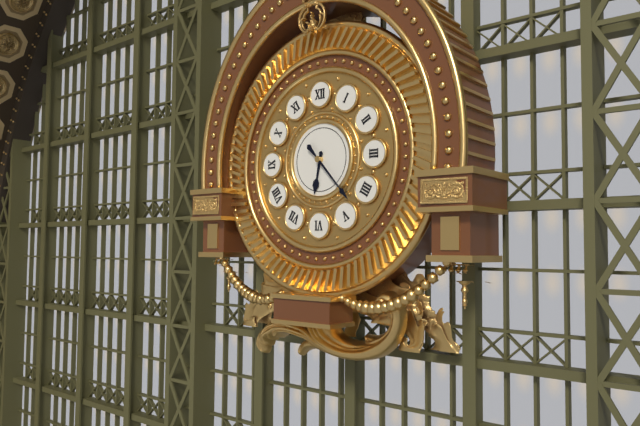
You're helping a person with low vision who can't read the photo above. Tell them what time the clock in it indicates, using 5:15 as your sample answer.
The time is 6:23
